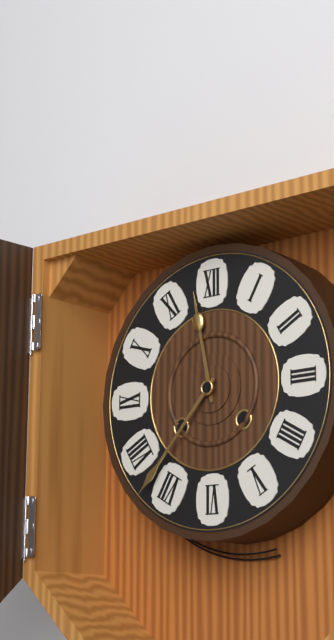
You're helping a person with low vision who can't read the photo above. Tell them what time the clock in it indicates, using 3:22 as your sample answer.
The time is 11:37
